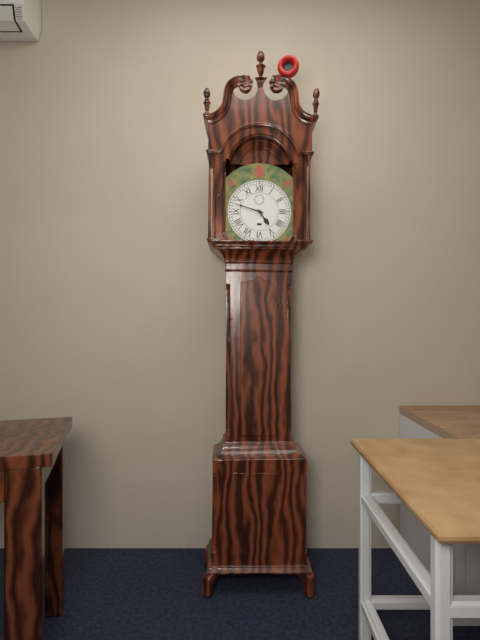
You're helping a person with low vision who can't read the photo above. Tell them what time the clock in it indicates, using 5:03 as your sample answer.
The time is 4:48
